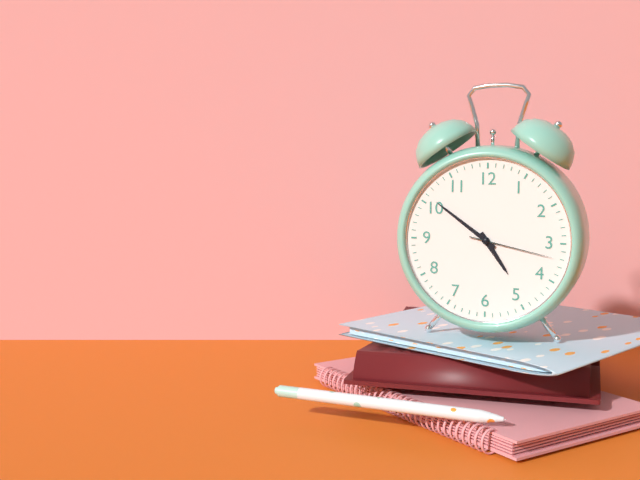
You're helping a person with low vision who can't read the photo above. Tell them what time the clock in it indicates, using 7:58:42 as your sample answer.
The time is 4:51:17
